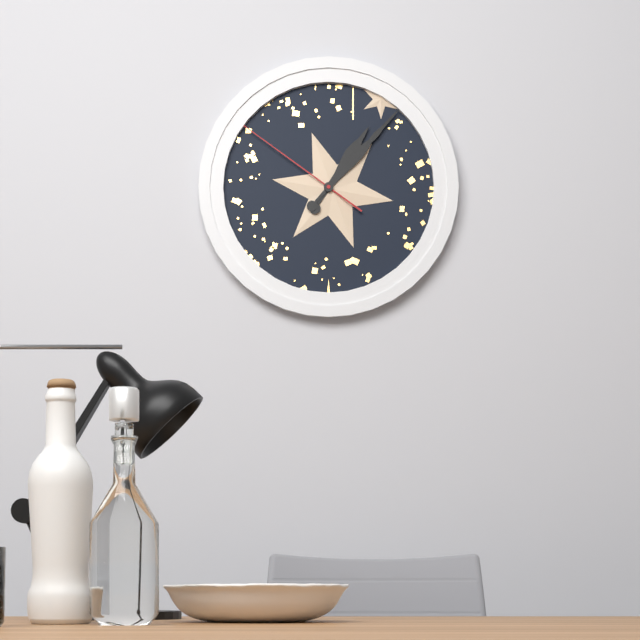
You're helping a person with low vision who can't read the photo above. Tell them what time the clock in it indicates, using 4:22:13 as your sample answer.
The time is 1:07:51
